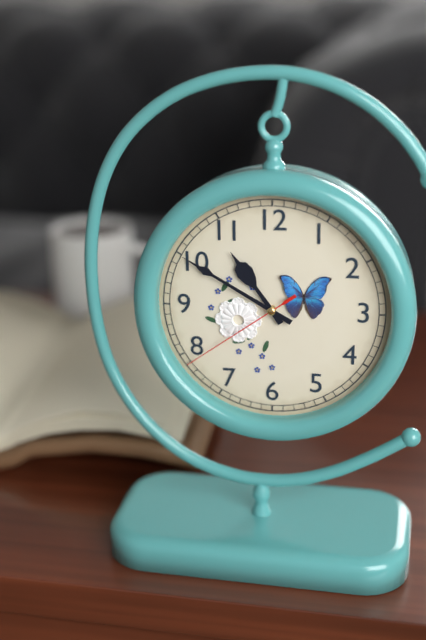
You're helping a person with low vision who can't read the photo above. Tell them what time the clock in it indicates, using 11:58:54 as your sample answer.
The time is 10:50:39
